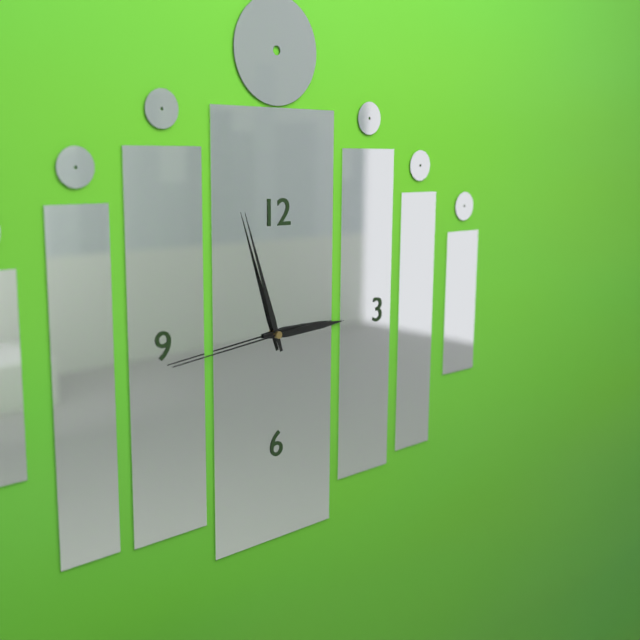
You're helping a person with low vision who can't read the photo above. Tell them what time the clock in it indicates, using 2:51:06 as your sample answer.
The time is 2:57:44
